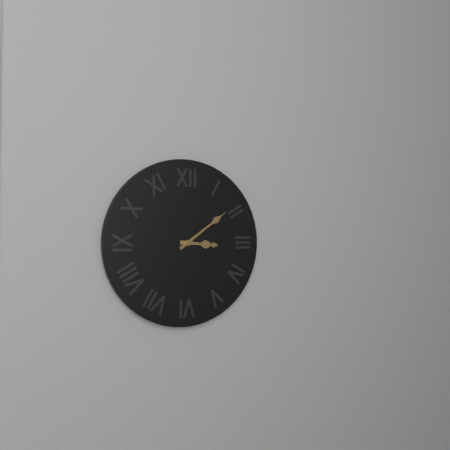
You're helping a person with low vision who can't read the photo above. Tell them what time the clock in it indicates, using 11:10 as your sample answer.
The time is 3:09
